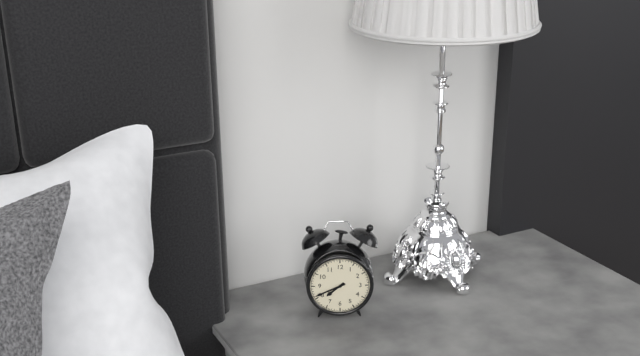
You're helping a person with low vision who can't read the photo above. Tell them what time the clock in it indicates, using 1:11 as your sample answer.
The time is 7:41
